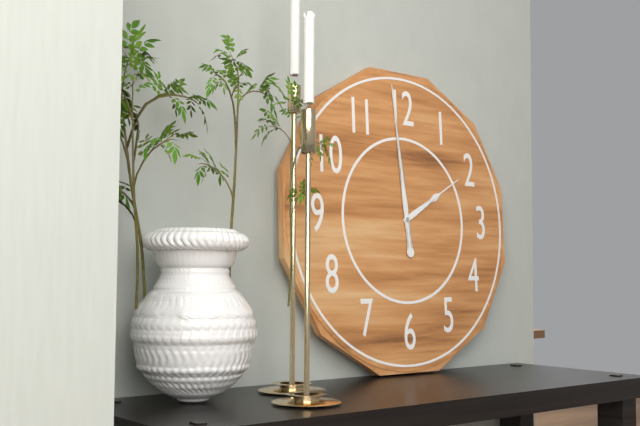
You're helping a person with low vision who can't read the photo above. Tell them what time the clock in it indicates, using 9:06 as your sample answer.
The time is 1:59
